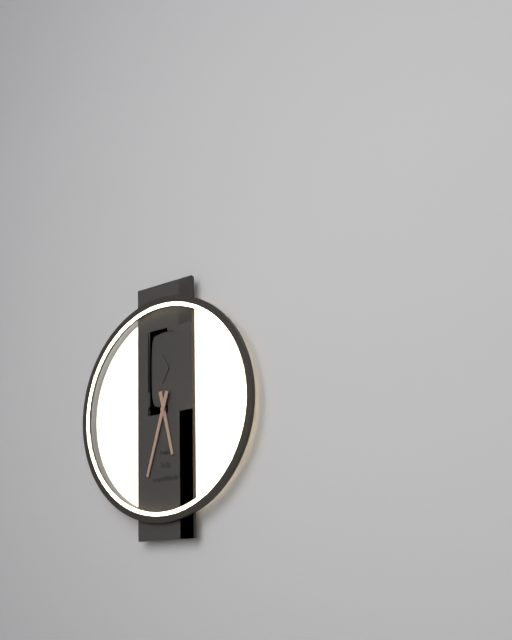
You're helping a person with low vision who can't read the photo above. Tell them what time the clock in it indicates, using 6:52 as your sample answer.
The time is 5:33
